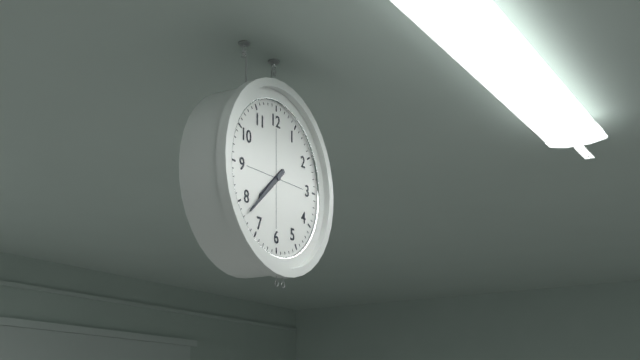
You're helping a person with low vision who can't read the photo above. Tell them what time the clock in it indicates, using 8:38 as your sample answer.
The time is 7:38
